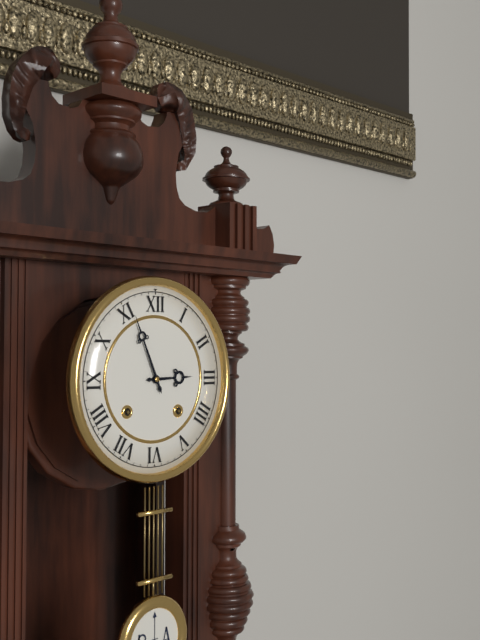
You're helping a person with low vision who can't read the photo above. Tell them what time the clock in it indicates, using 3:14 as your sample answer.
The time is 2:56
